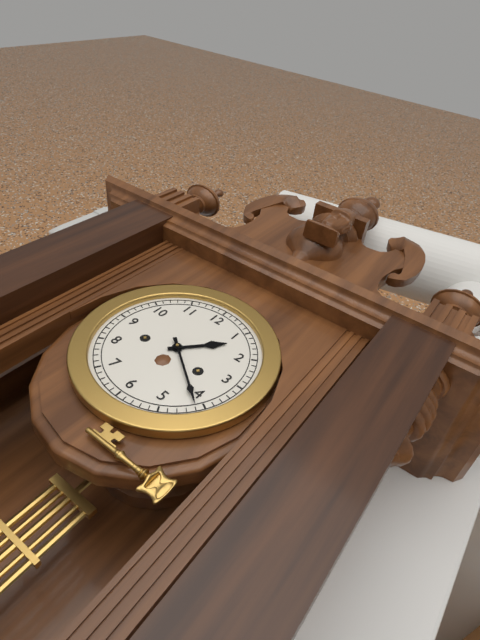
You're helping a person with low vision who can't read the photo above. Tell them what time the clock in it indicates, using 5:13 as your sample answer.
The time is 1:21
